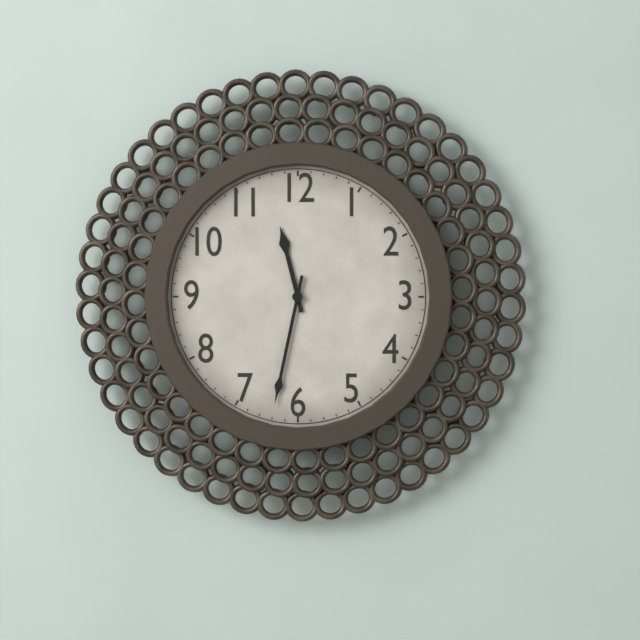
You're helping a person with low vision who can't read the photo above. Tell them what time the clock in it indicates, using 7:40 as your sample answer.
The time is 11:32
